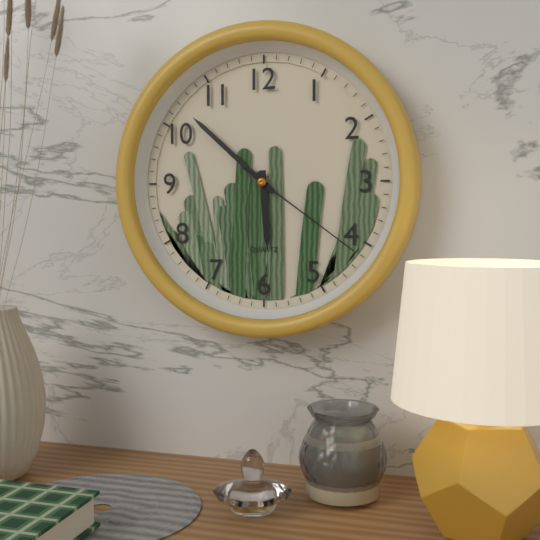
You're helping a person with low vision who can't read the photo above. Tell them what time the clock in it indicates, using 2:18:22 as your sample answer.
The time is 5:52:21
